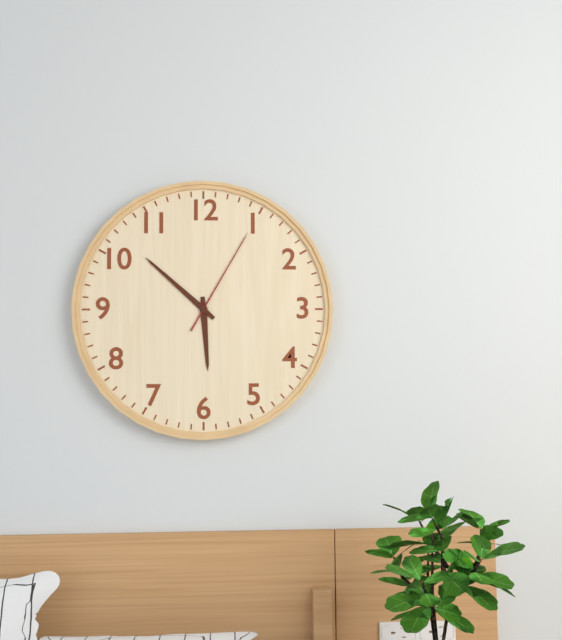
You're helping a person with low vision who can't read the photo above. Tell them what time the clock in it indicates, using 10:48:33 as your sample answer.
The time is 5:52:05
